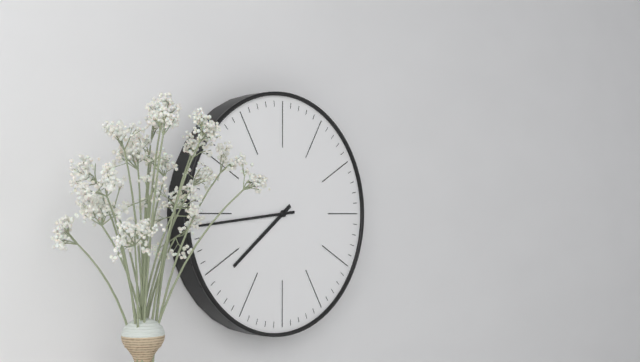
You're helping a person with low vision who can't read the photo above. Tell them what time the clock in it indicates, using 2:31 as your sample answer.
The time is 7:44
